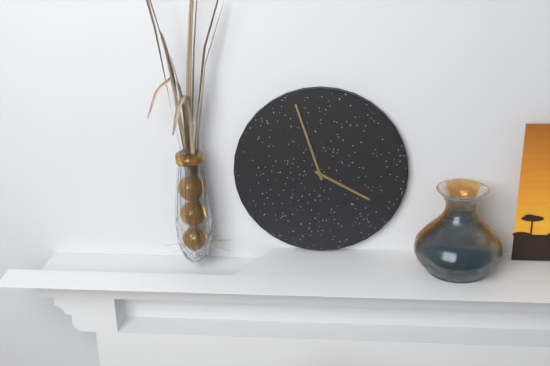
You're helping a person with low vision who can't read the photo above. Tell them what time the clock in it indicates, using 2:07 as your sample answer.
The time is 3:57
